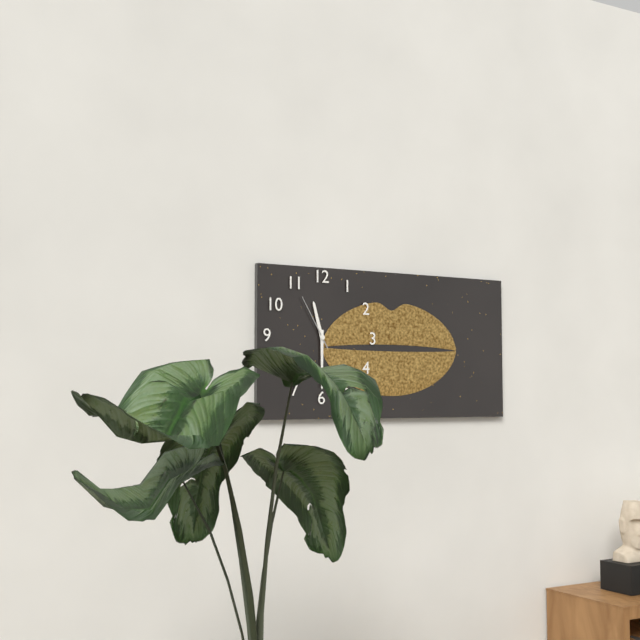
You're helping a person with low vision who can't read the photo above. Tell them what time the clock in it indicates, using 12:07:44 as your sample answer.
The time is 11:30:55
